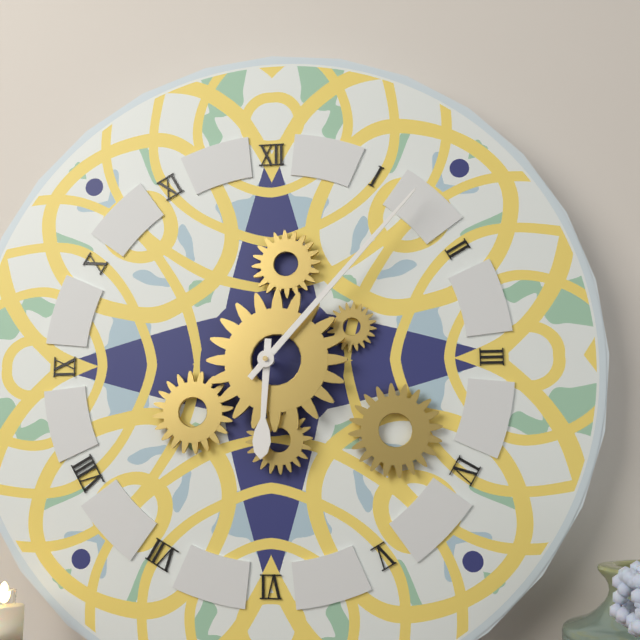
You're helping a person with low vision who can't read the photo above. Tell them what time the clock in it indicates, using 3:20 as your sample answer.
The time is 6:07
